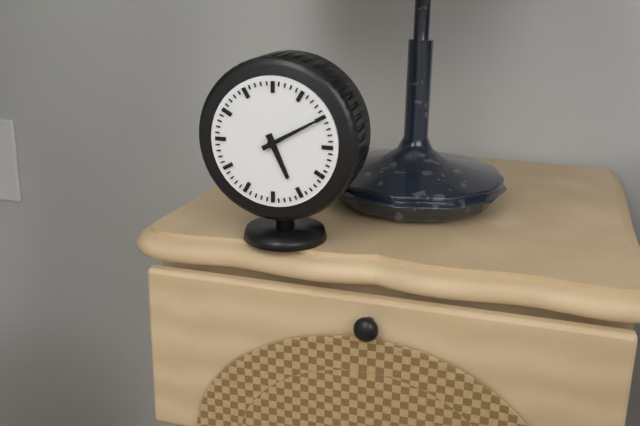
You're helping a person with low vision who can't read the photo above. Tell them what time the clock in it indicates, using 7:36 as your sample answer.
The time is 5:10
